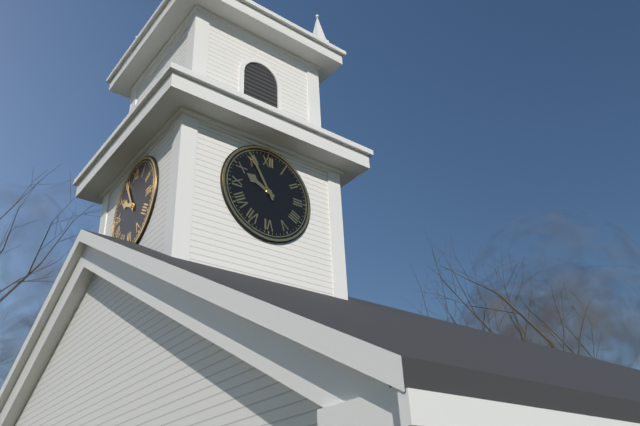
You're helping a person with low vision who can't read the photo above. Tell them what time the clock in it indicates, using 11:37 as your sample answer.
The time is 9:55
